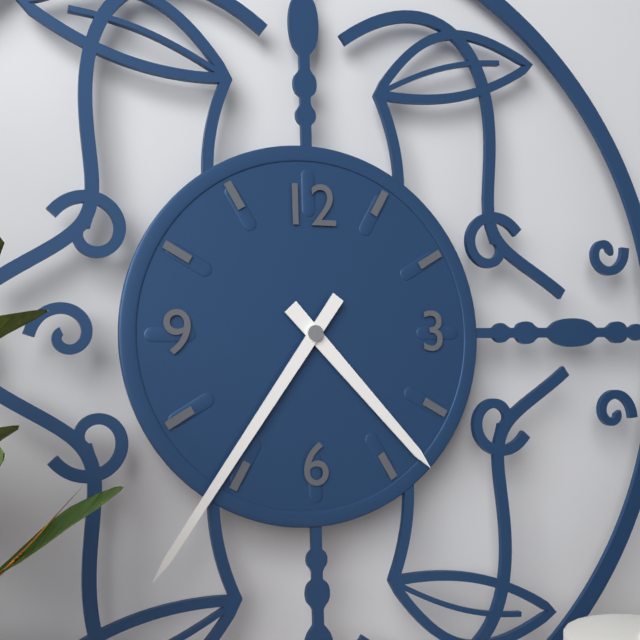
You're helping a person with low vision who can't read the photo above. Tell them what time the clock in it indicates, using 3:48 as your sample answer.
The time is 4:36
